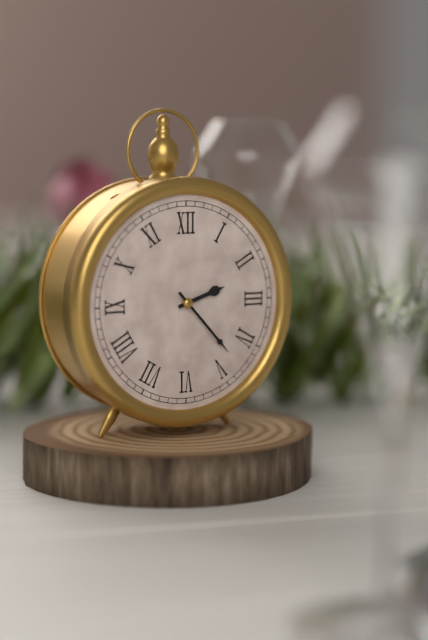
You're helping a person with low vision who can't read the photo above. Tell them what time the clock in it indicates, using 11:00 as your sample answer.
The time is 2:23
